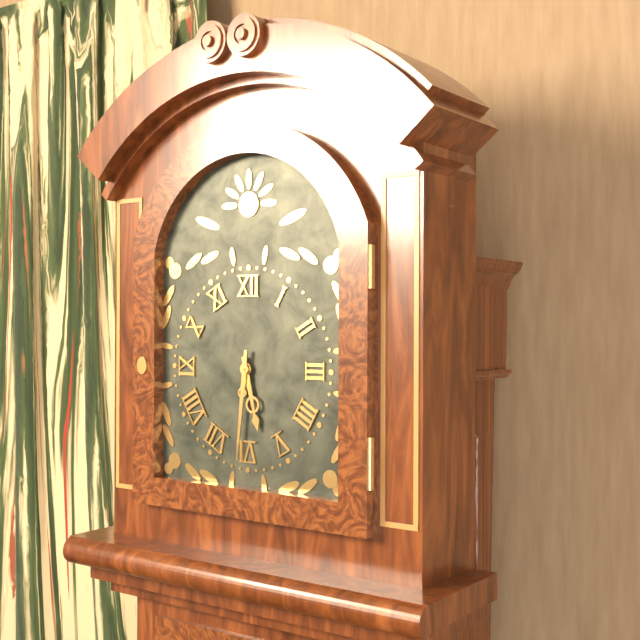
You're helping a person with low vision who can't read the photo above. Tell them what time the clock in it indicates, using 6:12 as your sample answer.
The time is 5:31
